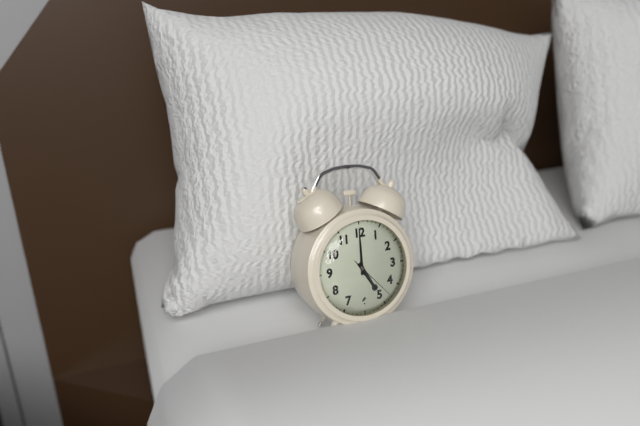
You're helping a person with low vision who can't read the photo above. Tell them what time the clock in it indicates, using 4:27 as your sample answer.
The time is 5:00
